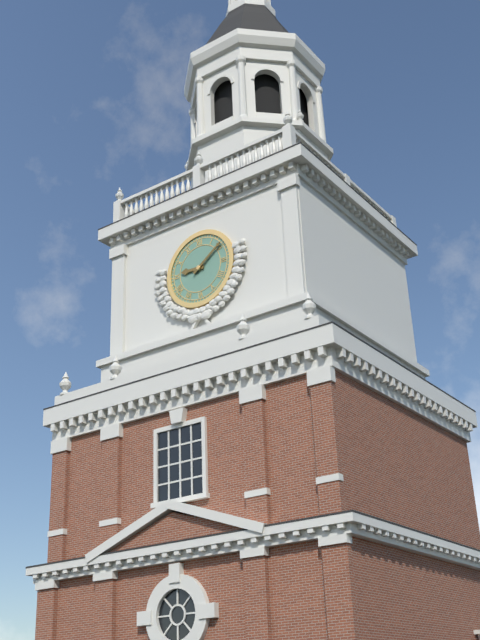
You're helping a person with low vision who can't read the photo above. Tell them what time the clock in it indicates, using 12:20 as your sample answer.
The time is 9:09
